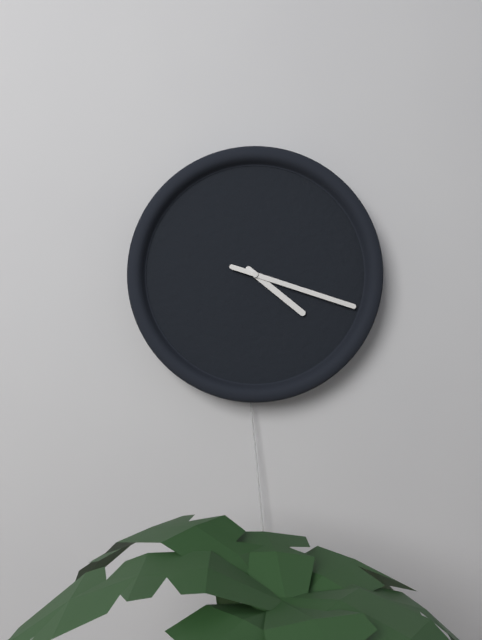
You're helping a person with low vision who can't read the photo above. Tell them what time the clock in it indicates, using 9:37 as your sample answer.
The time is 4:18
